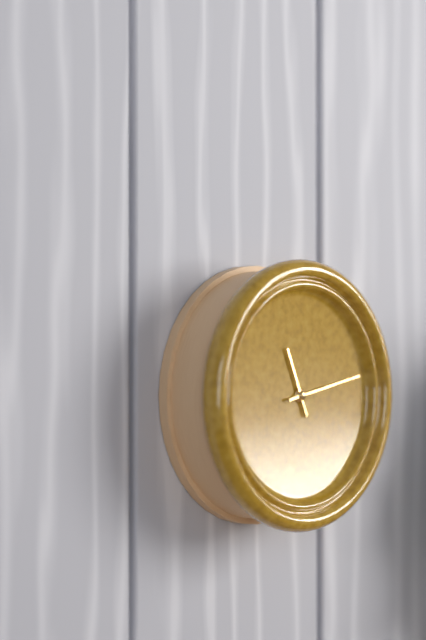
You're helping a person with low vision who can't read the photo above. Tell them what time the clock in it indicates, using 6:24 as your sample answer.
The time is 11:13
